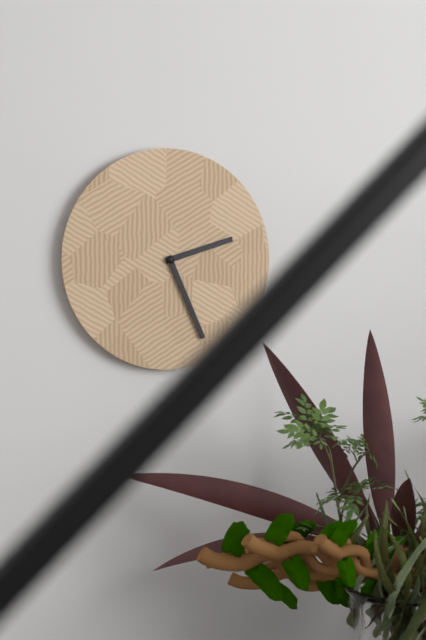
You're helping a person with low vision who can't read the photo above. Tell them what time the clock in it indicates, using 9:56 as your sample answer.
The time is 2:26
